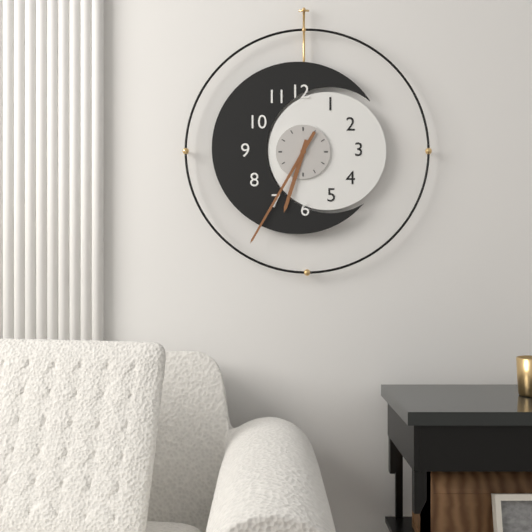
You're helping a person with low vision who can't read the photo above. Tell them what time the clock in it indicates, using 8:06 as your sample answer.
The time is 6:35
